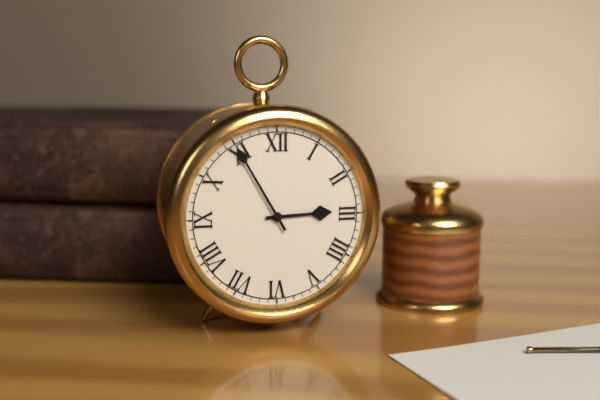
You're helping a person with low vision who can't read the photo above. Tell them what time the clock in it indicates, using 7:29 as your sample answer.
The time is 2:55
